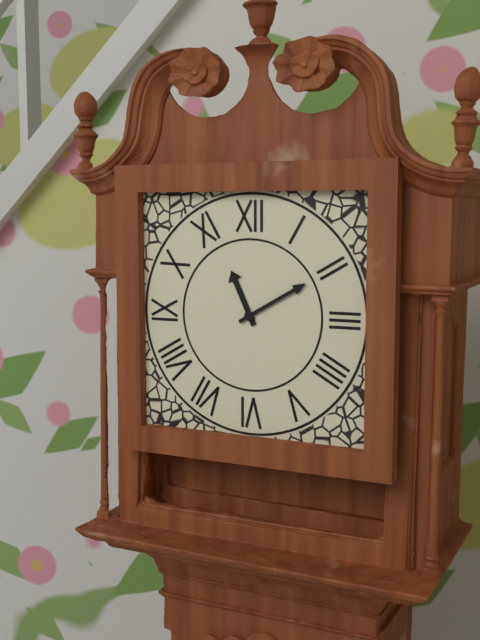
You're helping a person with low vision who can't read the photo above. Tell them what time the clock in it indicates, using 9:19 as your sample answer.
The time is 11:10
